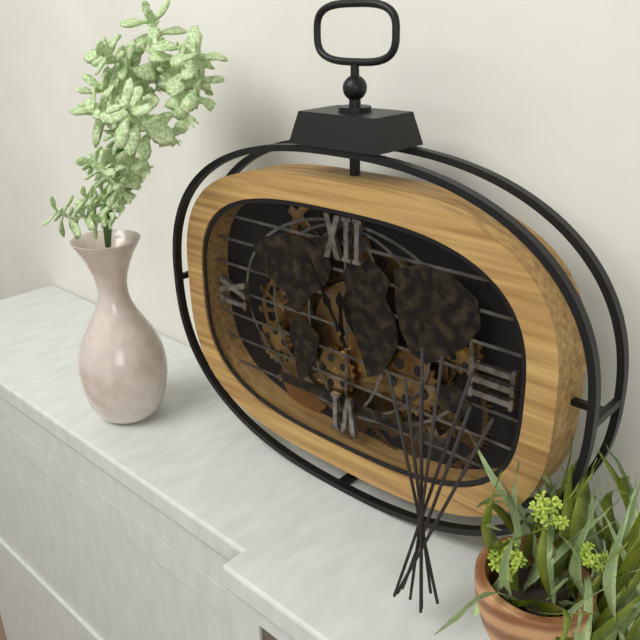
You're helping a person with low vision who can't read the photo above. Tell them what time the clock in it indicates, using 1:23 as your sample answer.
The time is 11:55
